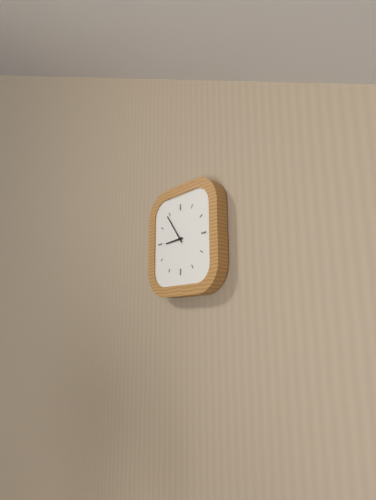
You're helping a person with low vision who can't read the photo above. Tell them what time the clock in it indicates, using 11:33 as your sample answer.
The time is 8:54
